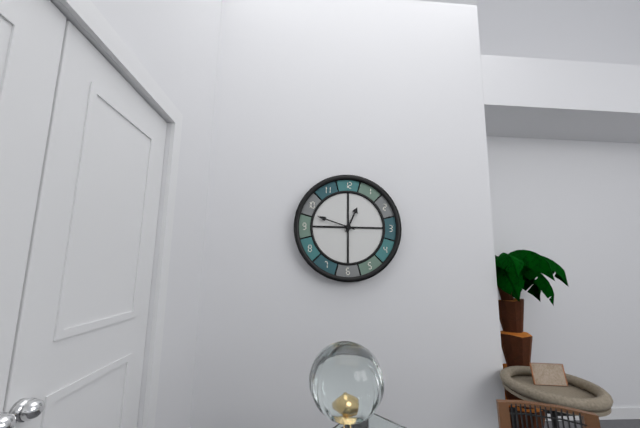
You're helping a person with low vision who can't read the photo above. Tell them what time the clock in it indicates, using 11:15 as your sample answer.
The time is 12:48
